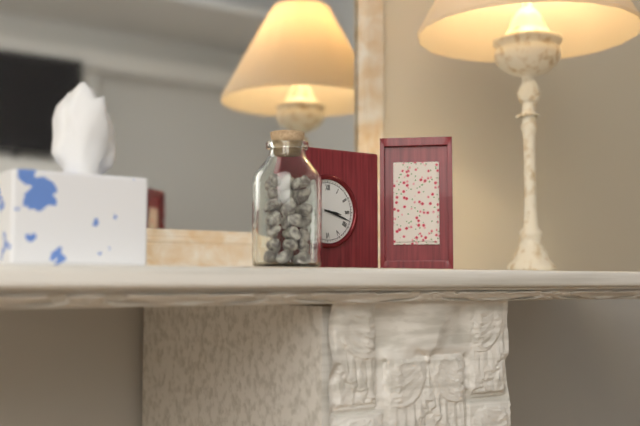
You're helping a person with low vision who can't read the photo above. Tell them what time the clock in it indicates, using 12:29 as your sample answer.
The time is 3:18
